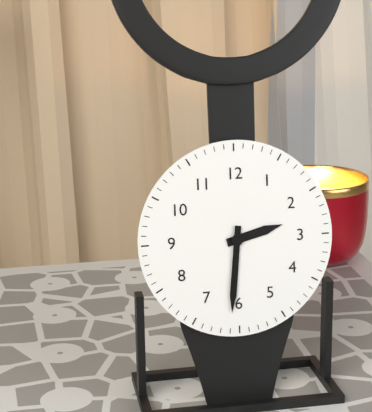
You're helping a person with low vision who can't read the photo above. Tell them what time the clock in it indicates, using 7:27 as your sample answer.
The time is 2:31
